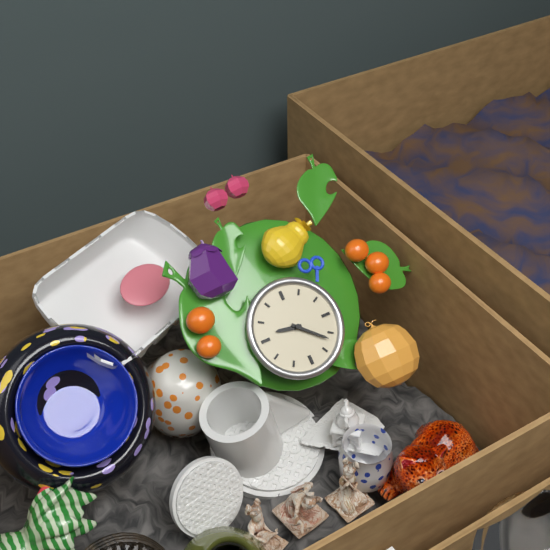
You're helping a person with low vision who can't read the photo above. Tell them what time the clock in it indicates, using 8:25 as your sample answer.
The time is 9:22
